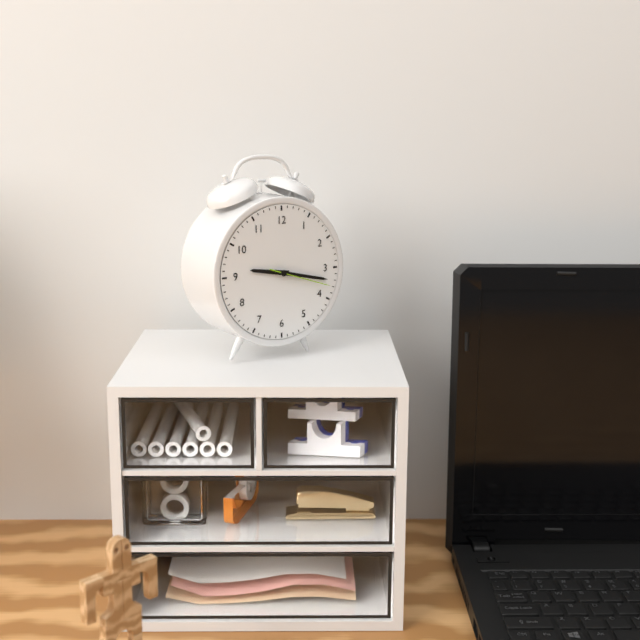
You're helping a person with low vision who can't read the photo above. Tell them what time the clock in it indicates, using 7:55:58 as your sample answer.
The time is 9:17:18
